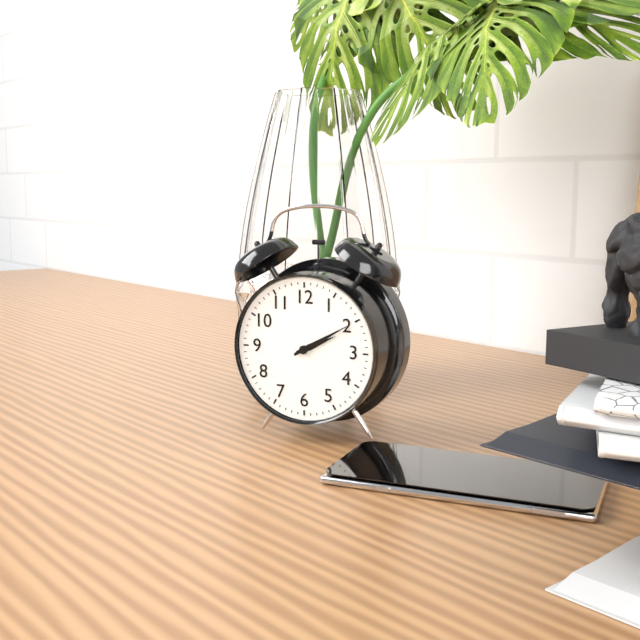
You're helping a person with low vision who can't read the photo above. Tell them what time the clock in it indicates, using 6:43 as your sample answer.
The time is 2:10
